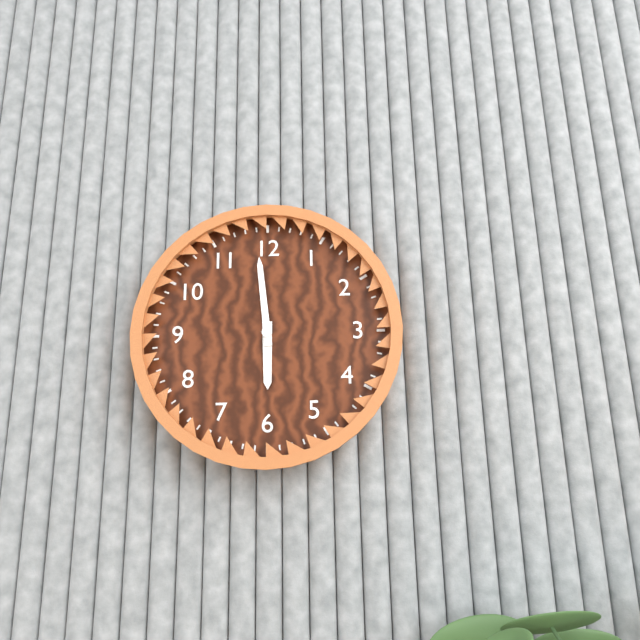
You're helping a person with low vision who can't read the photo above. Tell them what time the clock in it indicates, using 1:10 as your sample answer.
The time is 5:59
